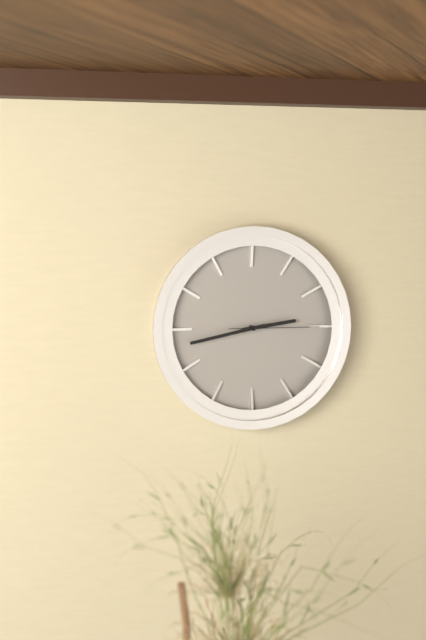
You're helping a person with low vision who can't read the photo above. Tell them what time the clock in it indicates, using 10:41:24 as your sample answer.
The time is 2:43:15
